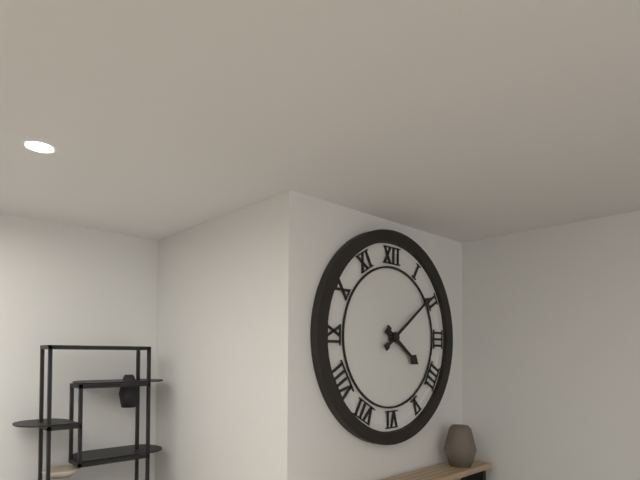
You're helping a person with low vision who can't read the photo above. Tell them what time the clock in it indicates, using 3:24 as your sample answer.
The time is 4:09
